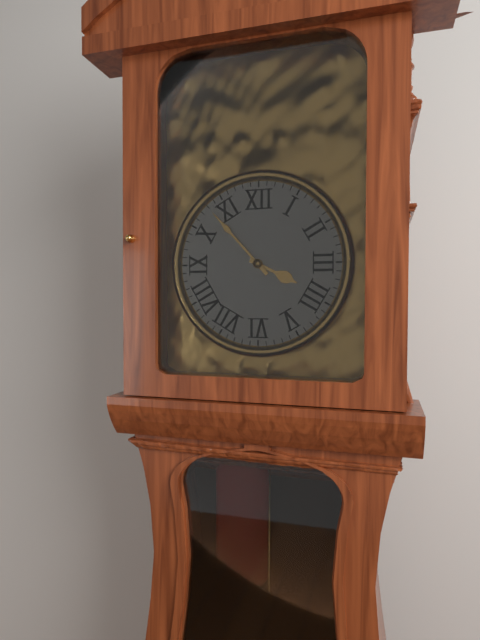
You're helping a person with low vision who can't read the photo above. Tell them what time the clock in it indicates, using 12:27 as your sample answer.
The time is 3:53
